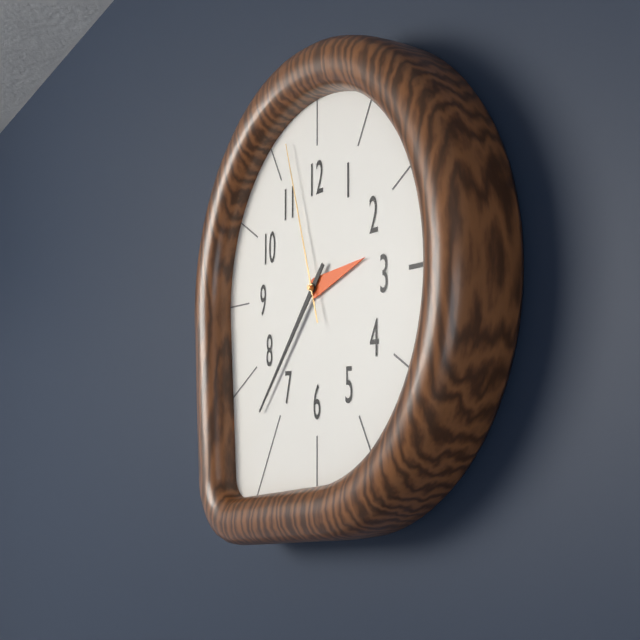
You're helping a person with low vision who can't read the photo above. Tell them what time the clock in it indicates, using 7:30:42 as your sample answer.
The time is 2:37:57
